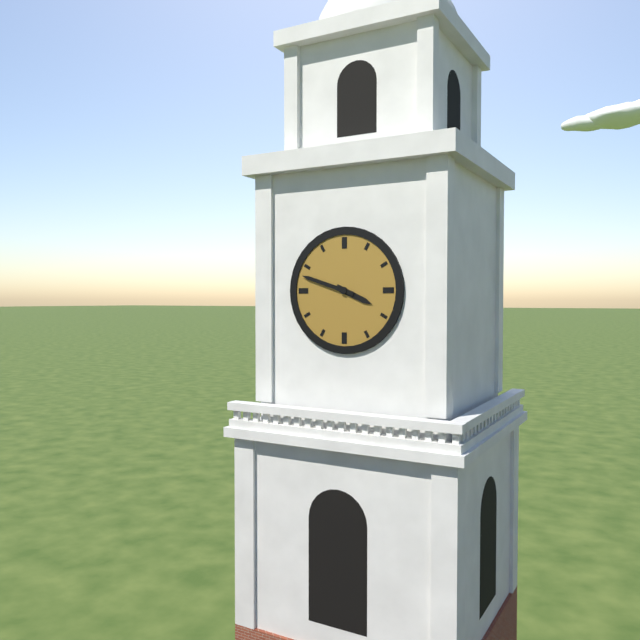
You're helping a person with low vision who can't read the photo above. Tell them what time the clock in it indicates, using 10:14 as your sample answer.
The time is 3:48
